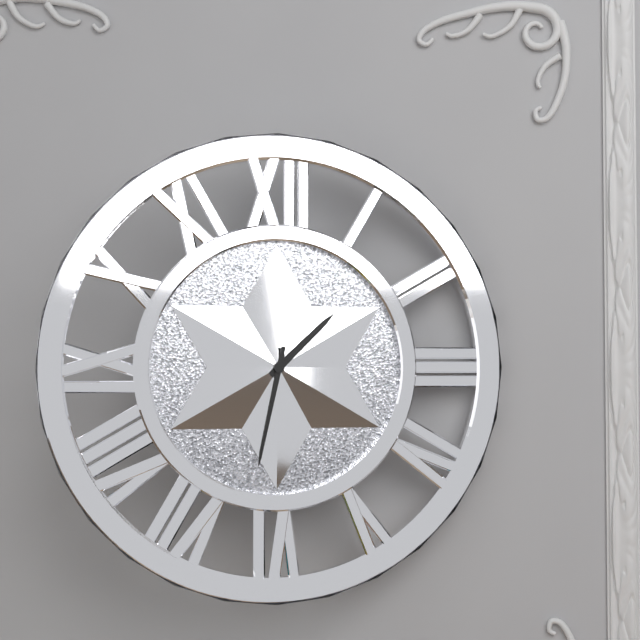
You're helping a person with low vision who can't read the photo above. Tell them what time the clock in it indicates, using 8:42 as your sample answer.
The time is 1:32
